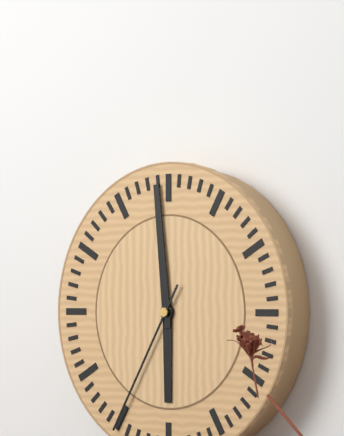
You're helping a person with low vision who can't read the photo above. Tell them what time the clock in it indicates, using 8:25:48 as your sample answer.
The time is 5:59:35
